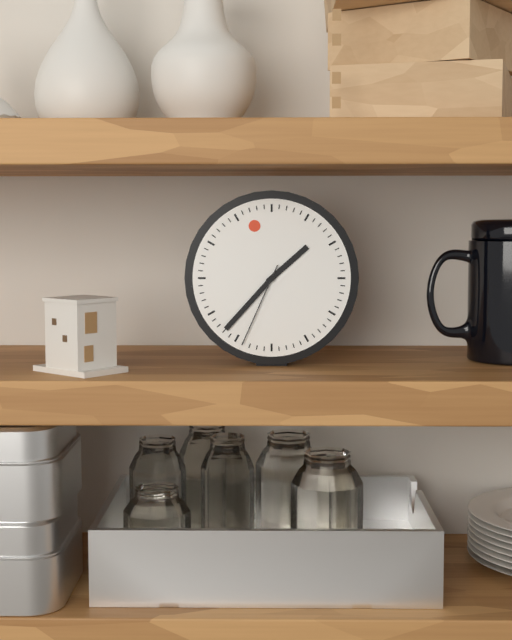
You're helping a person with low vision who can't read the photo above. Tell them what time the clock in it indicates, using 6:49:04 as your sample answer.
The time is 1:37:34
